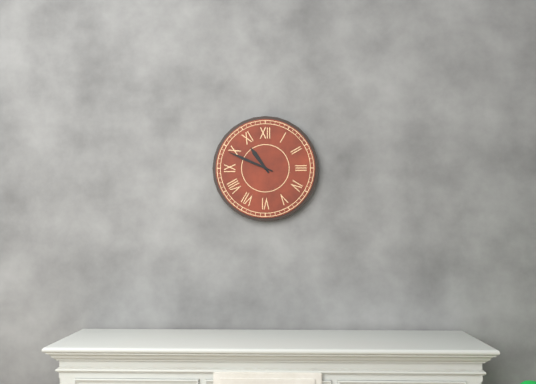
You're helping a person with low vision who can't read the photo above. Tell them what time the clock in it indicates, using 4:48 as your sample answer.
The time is 10:49
